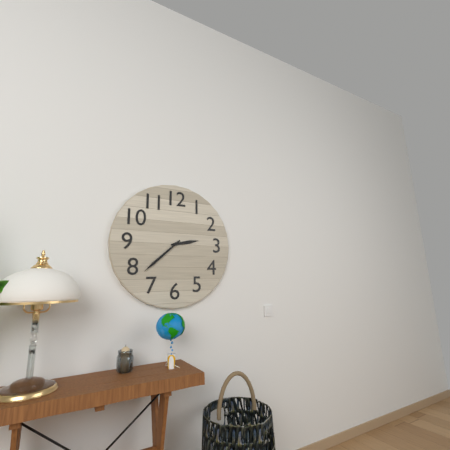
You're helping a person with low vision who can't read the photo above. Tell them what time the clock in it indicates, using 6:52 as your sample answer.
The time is 2:38
